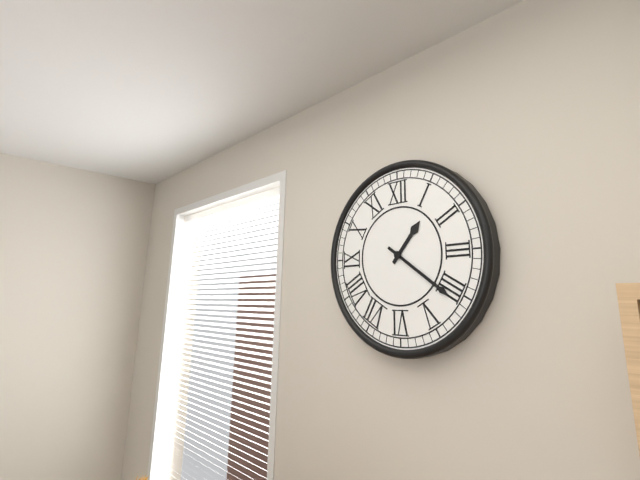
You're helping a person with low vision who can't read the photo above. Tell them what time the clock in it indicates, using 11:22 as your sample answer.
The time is 1:21
